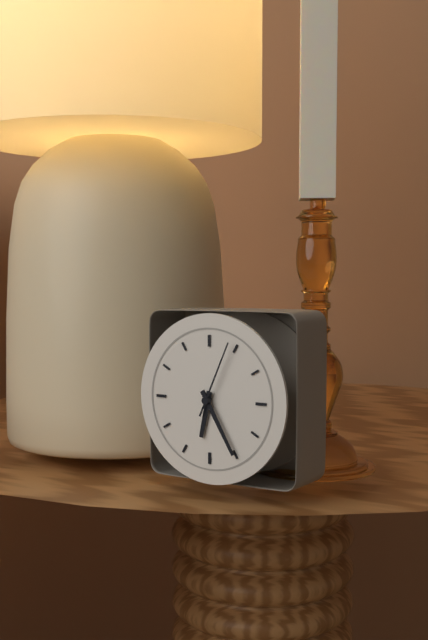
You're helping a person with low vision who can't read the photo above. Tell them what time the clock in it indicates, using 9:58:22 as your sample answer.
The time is 6:25:04
